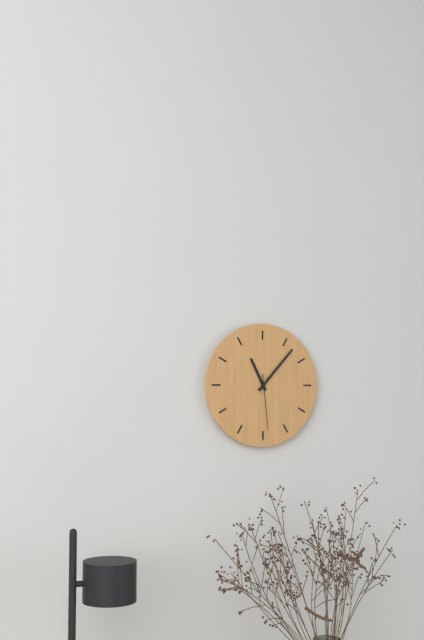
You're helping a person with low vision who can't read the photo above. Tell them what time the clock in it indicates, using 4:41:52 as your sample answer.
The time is 11:07:29
